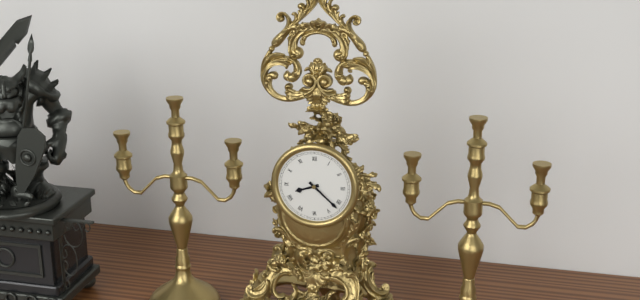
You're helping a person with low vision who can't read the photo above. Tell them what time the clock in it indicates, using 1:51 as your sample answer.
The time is 8:22
